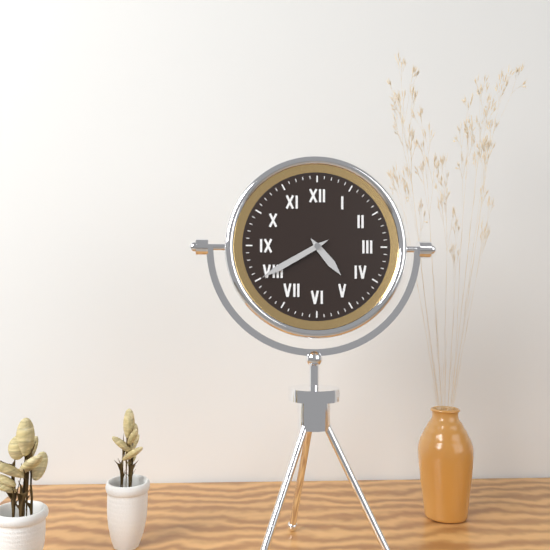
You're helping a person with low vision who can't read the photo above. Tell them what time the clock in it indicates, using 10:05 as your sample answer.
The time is 4:40
